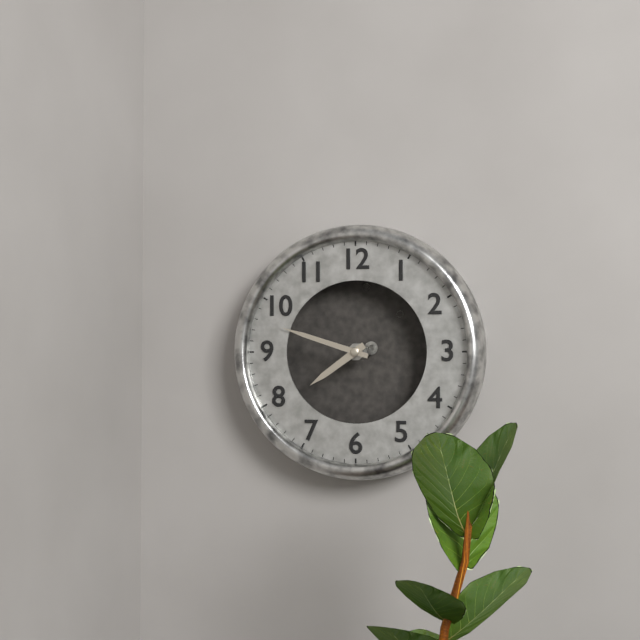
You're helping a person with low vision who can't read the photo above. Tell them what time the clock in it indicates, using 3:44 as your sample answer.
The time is 7:48
